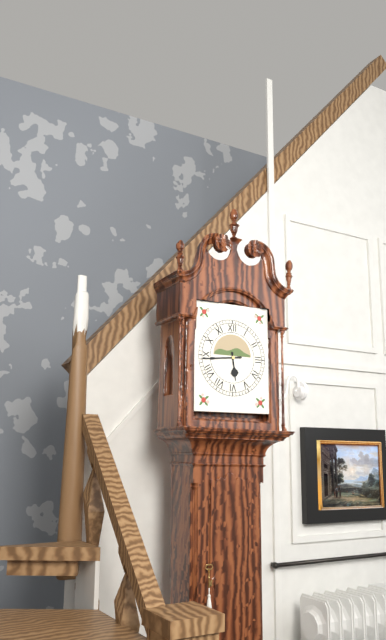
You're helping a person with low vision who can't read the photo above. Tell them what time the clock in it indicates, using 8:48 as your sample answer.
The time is 5:44
